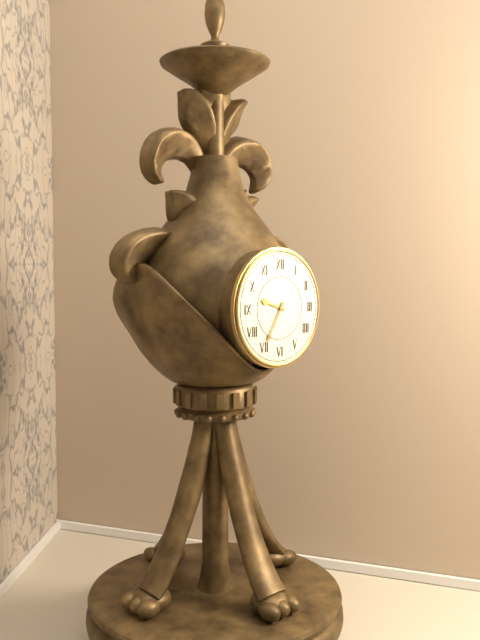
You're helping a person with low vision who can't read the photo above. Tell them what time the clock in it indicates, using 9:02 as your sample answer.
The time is 9:35
